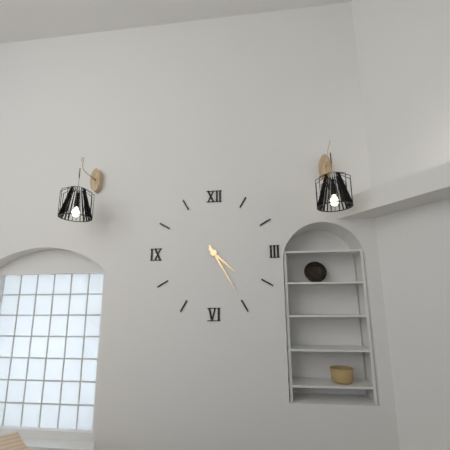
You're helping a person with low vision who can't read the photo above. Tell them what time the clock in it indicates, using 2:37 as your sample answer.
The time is 4:25
